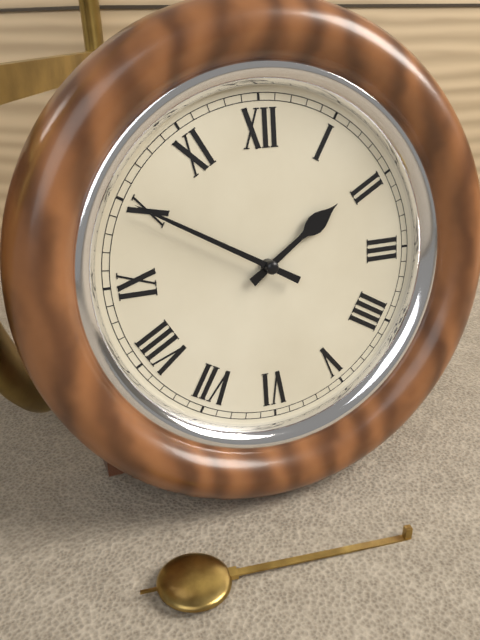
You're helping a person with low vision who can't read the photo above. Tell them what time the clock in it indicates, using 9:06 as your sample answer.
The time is 1:50
